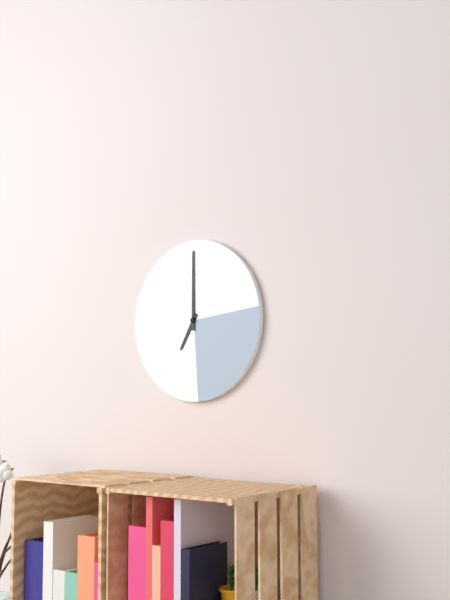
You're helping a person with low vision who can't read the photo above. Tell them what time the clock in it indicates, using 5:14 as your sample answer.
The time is 7:00
